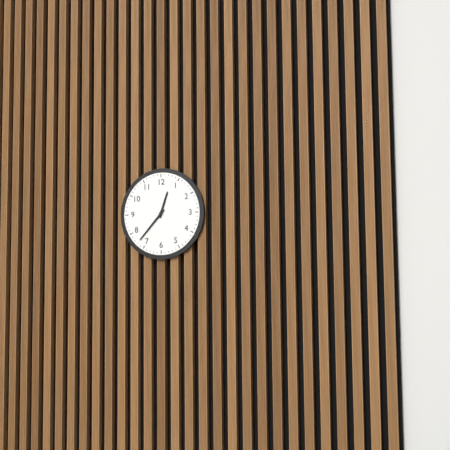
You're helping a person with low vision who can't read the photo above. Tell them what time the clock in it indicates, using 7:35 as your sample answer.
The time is 12:37
